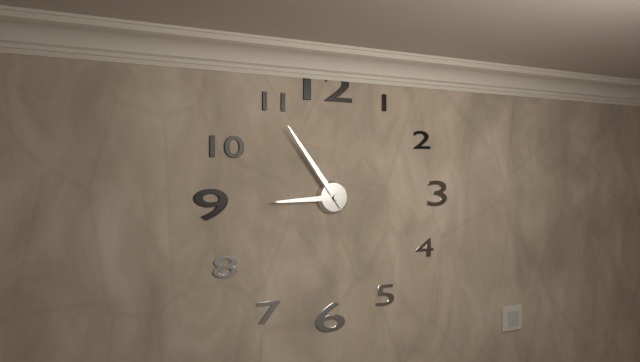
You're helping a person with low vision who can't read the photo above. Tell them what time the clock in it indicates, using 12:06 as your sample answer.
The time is 8:54
